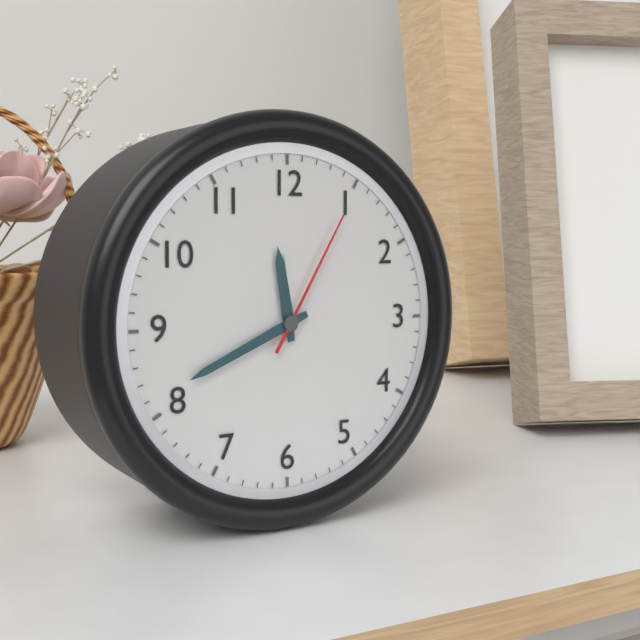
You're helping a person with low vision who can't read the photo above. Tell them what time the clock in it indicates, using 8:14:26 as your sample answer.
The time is 11:41:05
